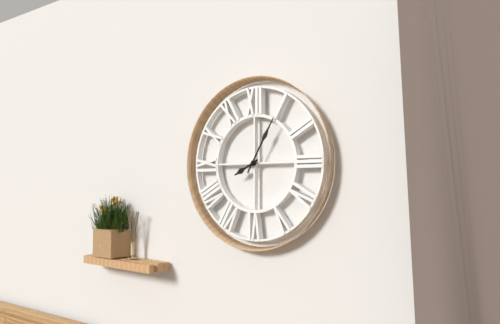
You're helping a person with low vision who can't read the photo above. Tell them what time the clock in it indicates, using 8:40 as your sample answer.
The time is 8:05
